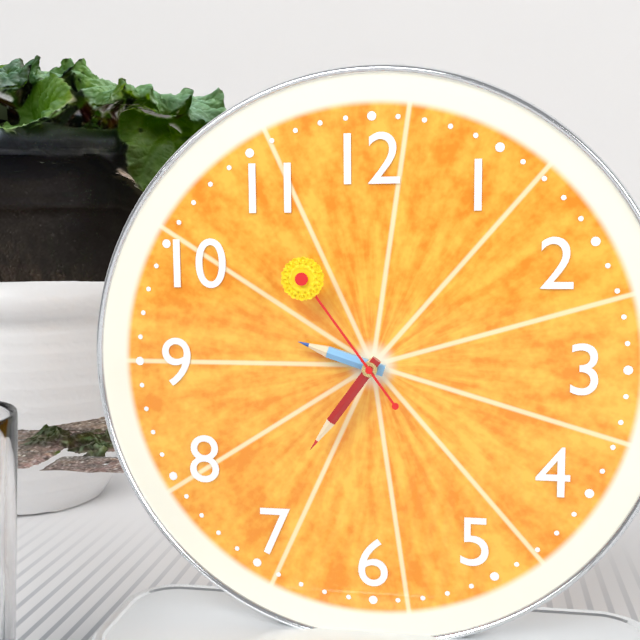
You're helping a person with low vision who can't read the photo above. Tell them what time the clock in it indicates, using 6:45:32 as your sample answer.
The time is 9:36:54
